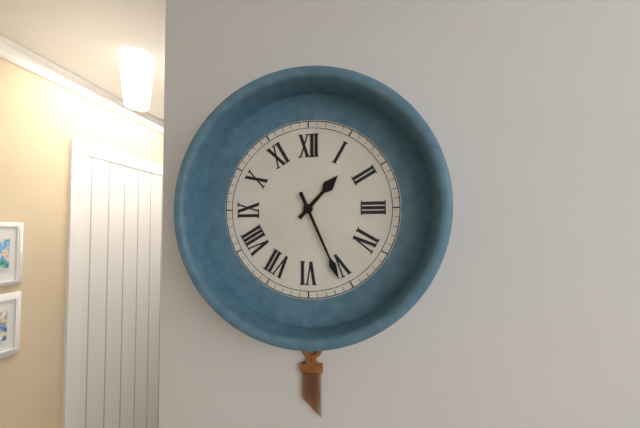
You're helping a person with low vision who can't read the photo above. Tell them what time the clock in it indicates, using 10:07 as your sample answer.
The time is 1:26
